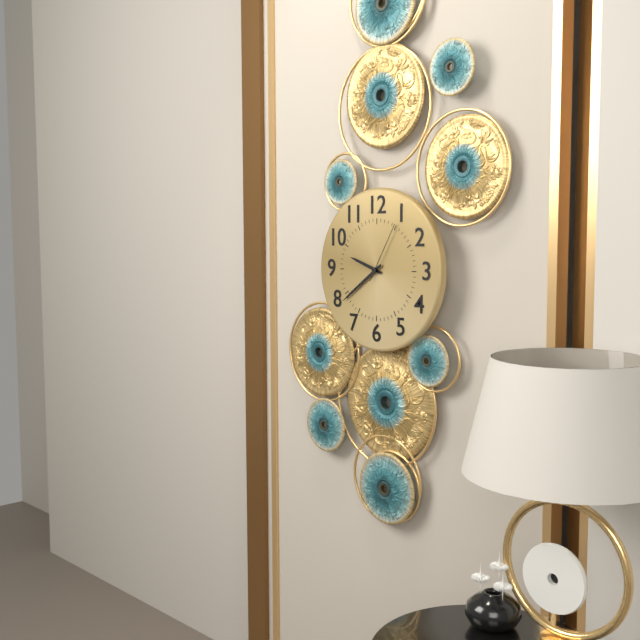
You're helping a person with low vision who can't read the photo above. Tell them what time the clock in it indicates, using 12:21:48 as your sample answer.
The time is 9:39:05
